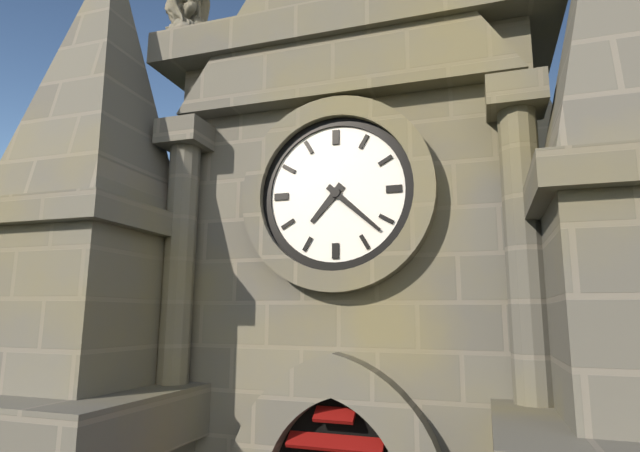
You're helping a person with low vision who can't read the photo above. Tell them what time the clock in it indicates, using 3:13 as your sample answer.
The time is 7:22
